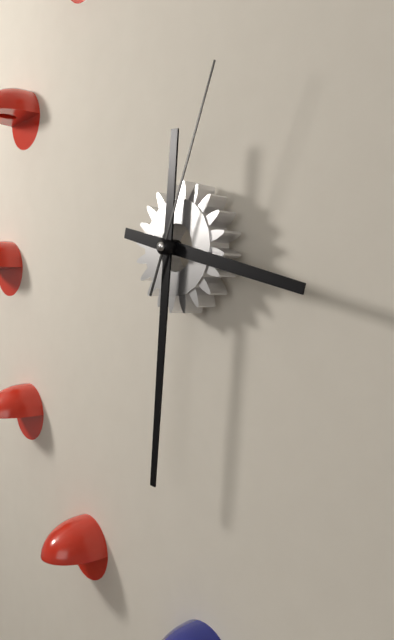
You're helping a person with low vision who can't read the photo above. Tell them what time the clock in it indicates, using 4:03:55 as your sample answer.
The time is 3:31:04
